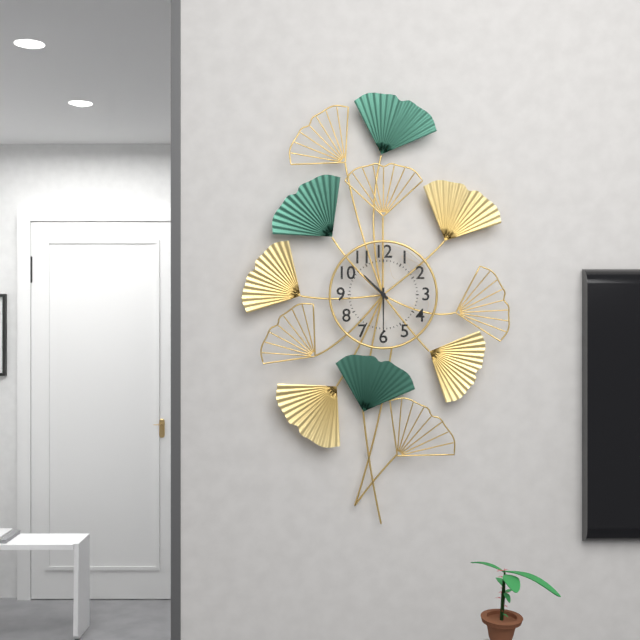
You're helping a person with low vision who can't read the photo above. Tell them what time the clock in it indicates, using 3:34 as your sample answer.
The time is 10:30
